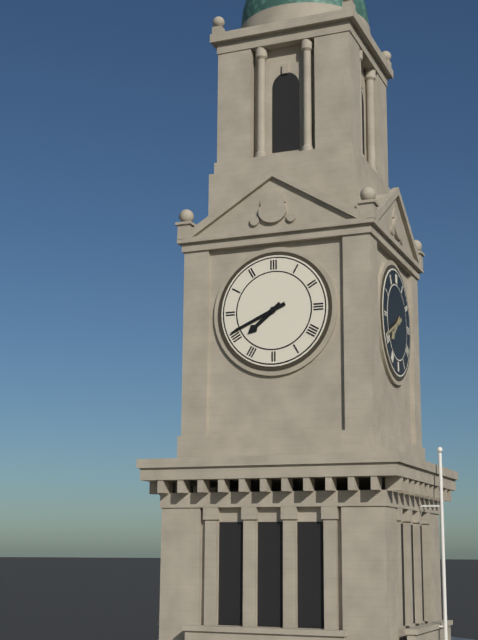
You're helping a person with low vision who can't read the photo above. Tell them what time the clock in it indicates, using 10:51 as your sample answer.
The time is 7:41
